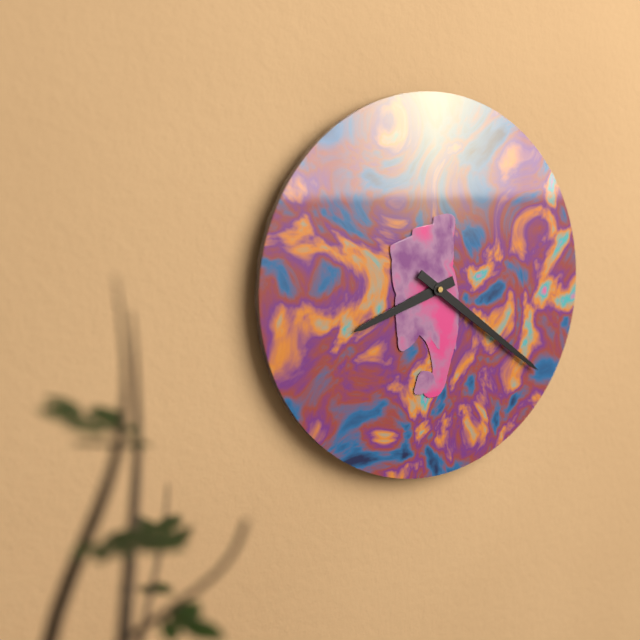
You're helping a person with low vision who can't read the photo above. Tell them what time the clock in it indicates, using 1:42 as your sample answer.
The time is 8:21
